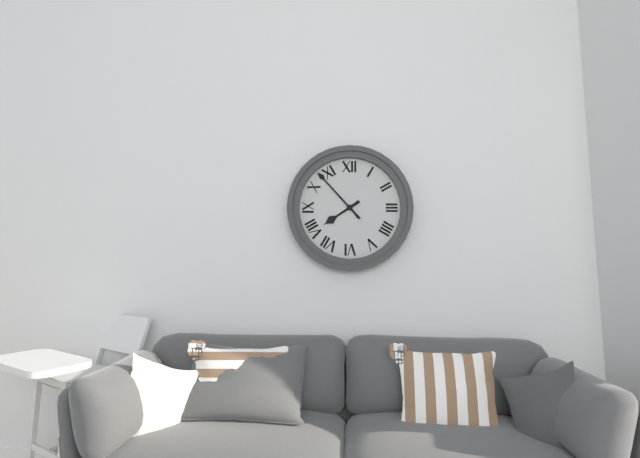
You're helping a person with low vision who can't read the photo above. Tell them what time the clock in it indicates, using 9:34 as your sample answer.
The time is 7:53
